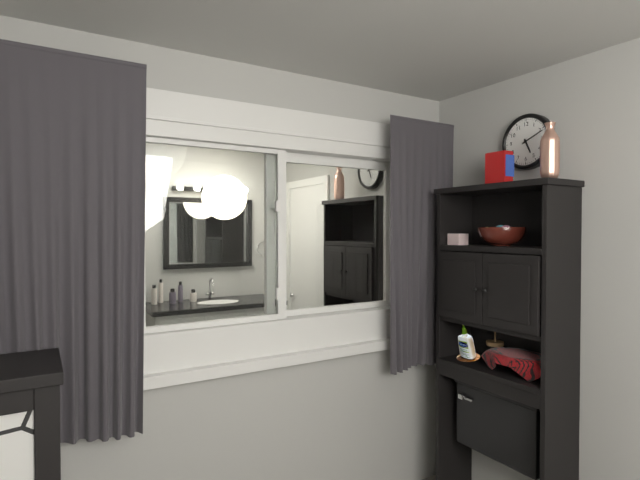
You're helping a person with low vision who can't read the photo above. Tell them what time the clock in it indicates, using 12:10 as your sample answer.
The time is 5:11
